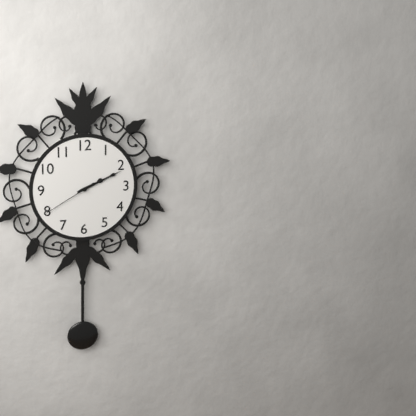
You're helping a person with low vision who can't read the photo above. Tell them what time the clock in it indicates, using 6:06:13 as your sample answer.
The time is 2:11:40
